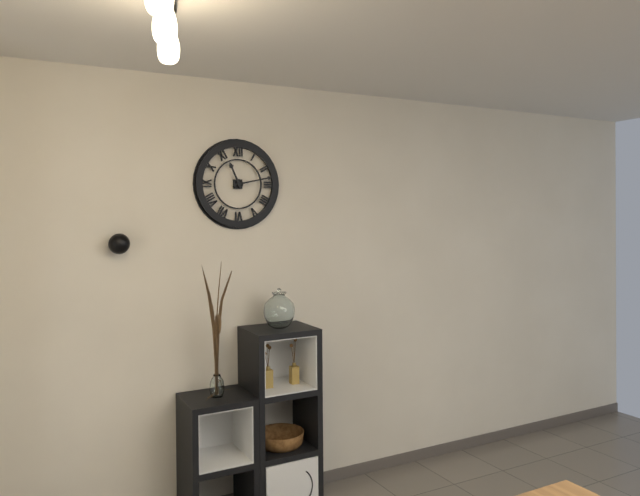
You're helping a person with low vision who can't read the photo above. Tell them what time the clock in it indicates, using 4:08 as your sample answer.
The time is 11:13
